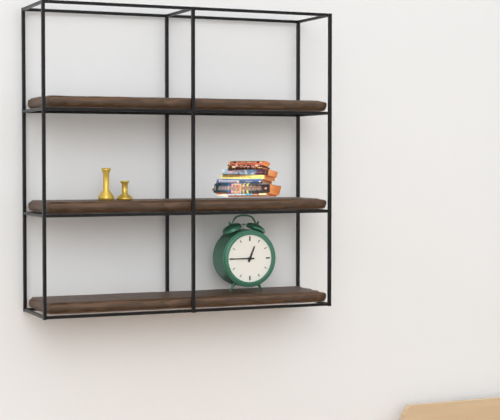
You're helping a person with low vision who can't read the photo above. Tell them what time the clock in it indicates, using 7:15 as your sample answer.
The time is 12:45
